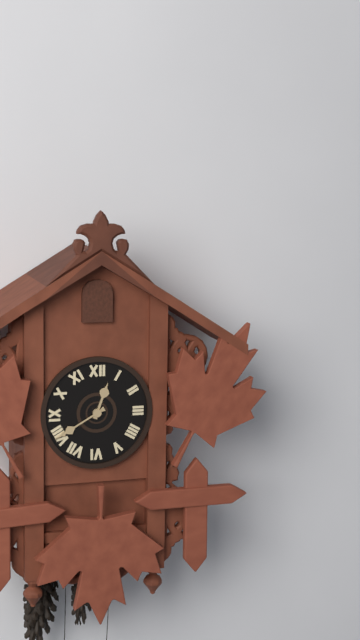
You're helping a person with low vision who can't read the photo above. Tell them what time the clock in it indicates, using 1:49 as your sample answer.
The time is 12:40
